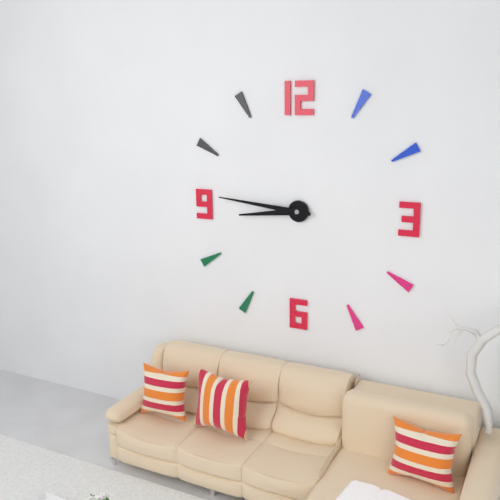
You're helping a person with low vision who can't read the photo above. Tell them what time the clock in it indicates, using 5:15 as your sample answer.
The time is 8:46
